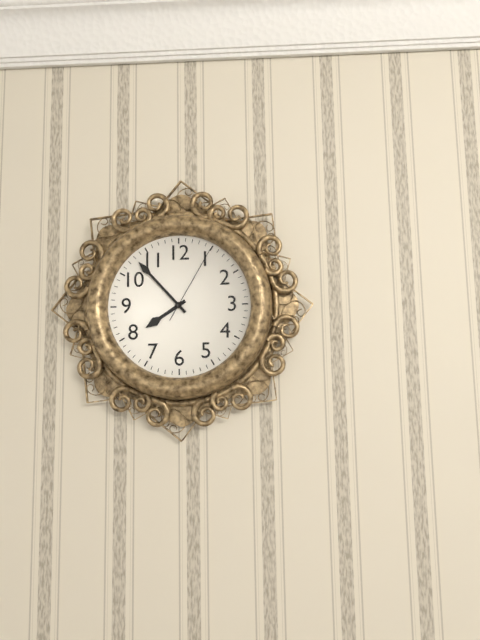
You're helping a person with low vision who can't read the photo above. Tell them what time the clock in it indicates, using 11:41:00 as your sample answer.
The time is 7:53:05
